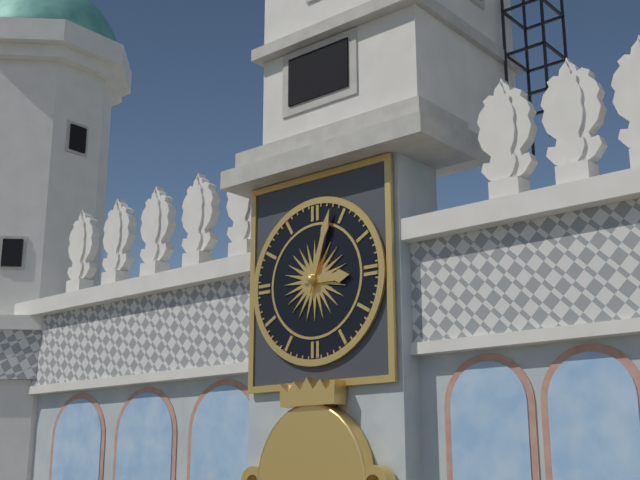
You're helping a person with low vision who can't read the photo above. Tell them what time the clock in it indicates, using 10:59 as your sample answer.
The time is 3:03
